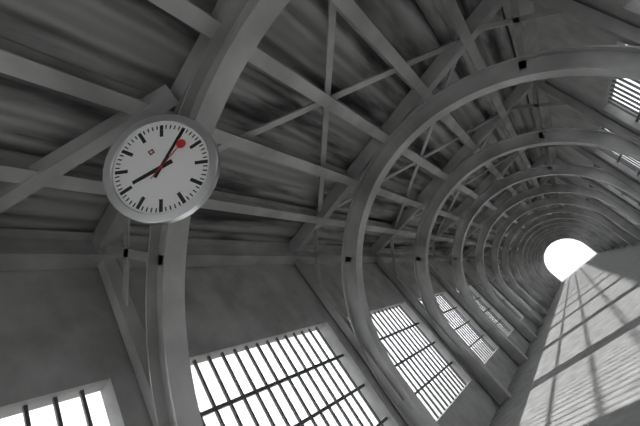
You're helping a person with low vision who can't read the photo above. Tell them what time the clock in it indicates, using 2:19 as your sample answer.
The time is 9:10
